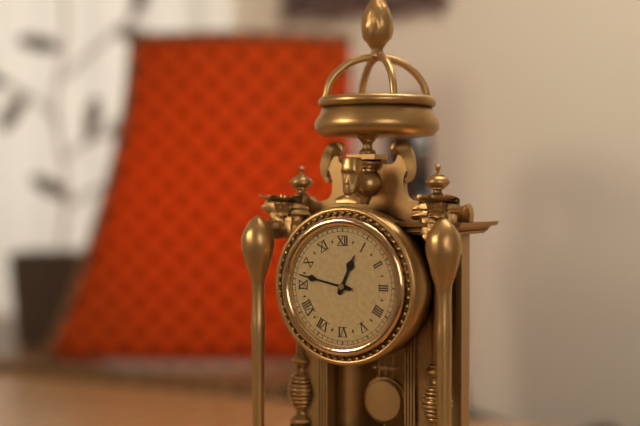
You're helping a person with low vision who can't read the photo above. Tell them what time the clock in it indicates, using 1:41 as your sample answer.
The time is 12:47
